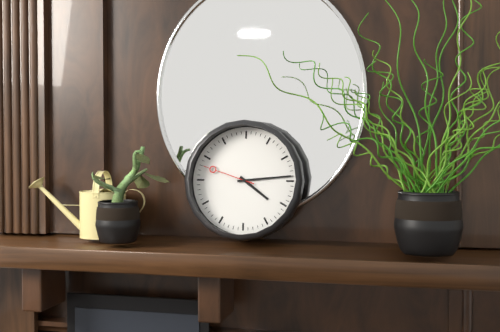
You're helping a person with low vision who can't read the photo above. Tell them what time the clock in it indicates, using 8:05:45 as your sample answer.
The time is 4:14:48
